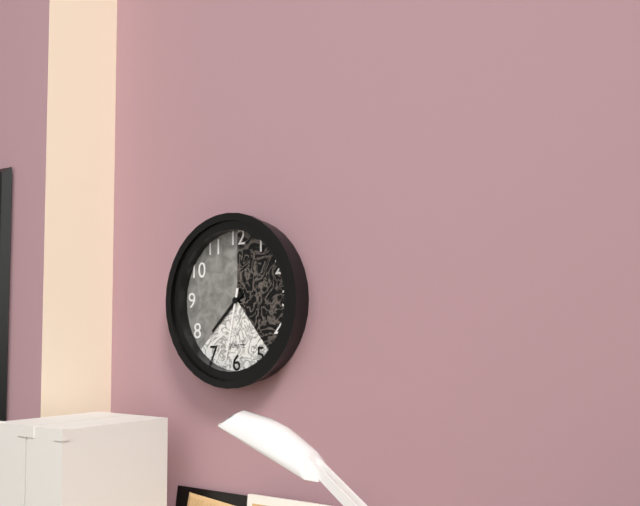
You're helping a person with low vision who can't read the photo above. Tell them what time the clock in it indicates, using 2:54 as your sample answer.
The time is 7:32
